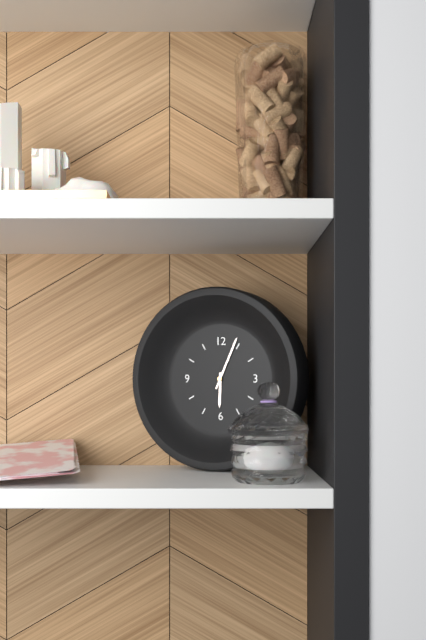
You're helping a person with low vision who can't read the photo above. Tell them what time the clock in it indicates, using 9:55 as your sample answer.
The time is 6:04
